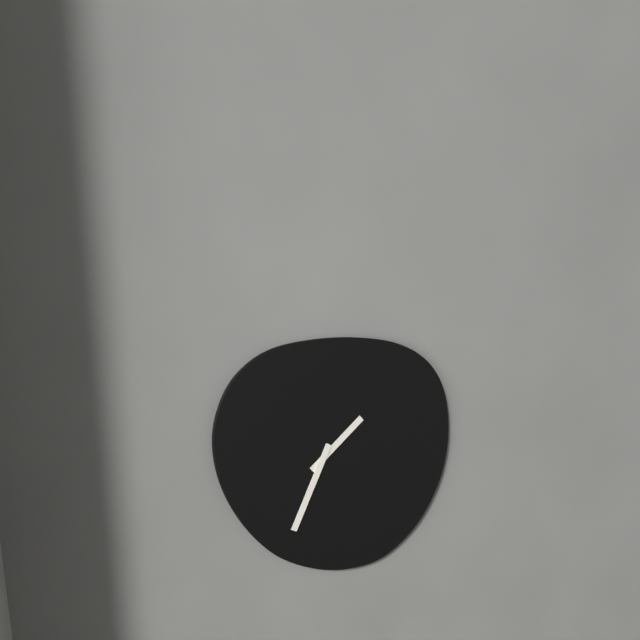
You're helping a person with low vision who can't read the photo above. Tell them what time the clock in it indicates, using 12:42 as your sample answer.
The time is 1:34
